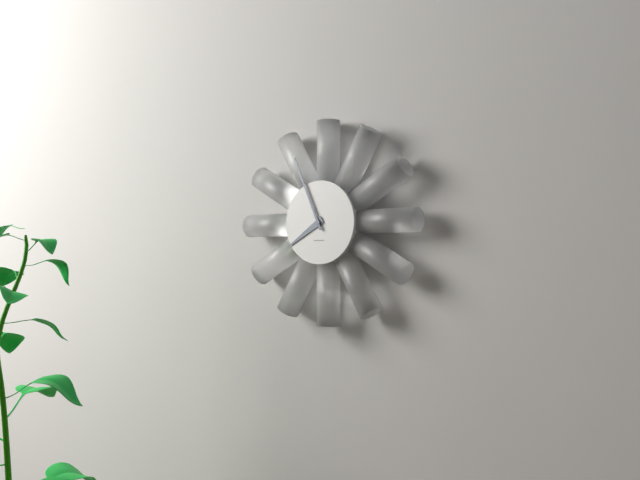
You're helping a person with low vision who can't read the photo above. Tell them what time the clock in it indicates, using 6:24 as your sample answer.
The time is 7:56
